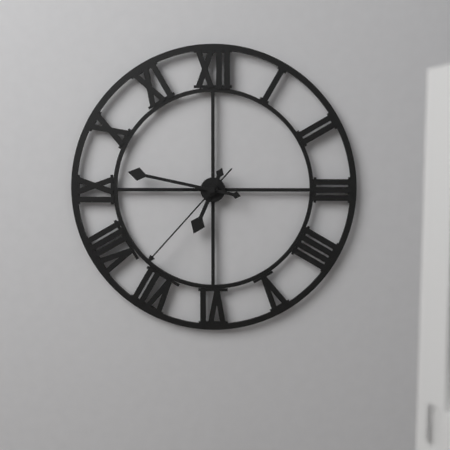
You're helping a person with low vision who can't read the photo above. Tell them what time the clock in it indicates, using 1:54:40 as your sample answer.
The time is 6:47:37
